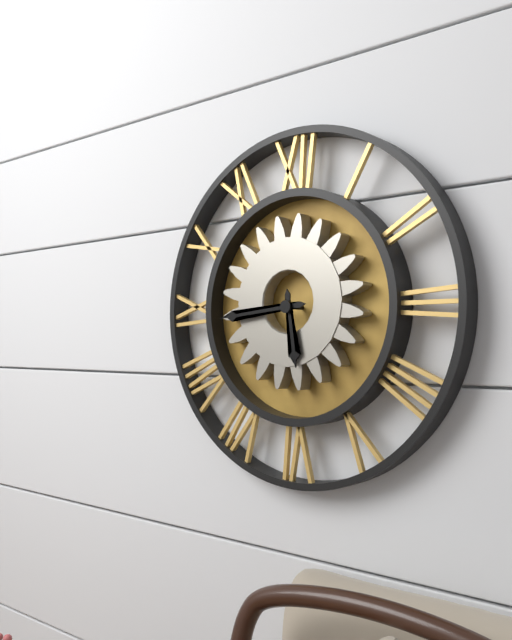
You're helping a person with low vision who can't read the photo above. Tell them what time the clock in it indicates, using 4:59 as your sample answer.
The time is 5:44
